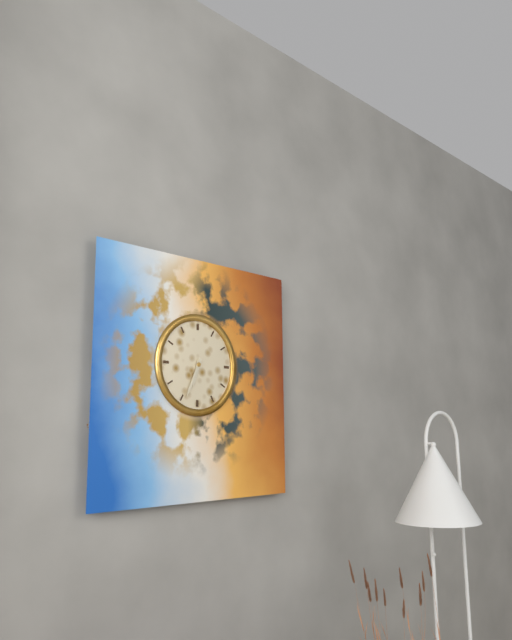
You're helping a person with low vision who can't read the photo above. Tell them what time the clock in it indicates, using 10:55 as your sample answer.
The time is 6:34
